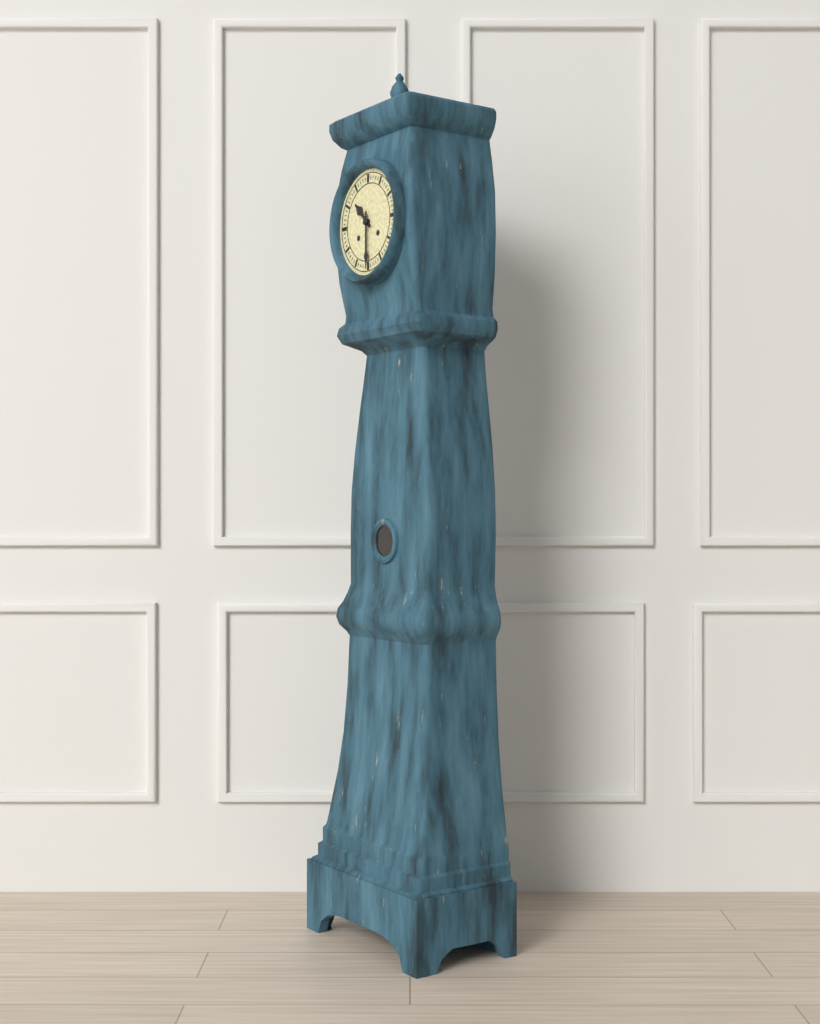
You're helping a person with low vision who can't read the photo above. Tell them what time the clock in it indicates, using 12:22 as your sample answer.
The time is 10:30
